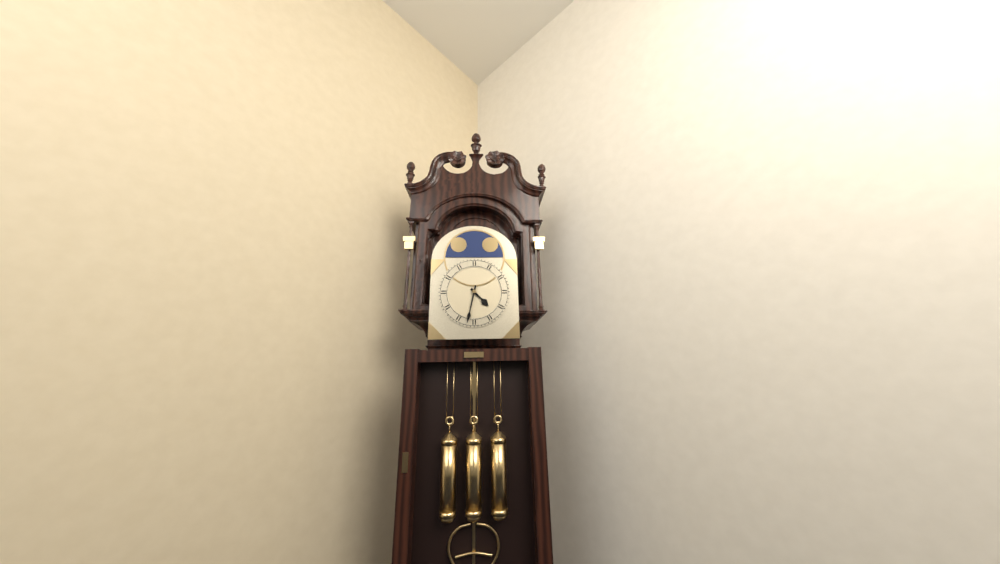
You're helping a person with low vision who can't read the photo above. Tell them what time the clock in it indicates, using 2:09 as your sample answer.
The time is 4:32
